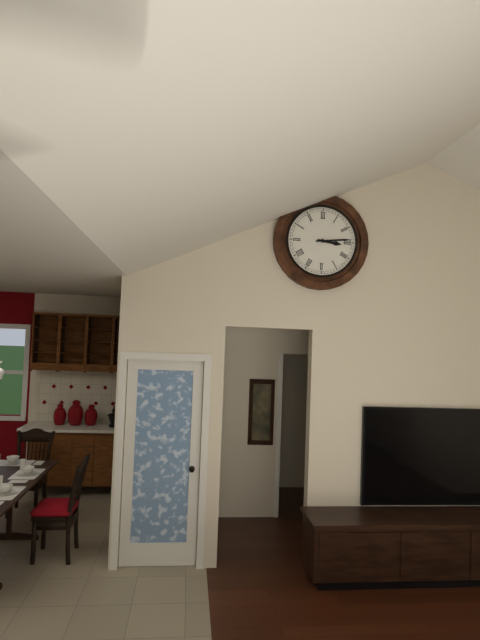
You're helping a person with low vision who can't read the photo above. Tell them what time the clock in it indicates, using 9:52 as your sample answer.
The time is 3:14
